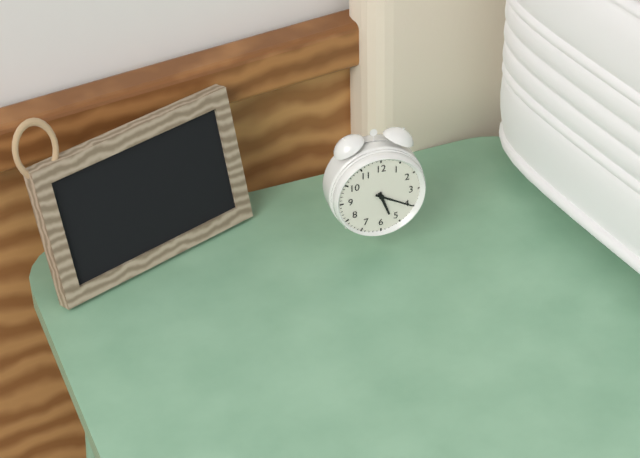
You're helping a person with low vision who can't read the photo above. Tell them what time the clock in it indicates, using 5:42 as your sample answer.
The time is 5:20
